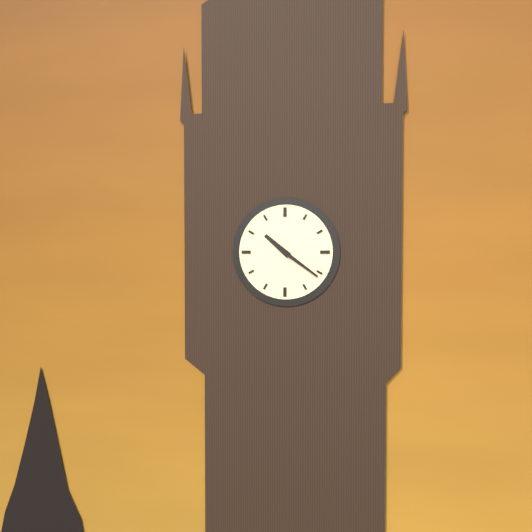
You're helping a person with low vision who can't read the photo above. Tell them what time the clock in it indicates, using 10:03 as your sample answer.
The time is 10:21
